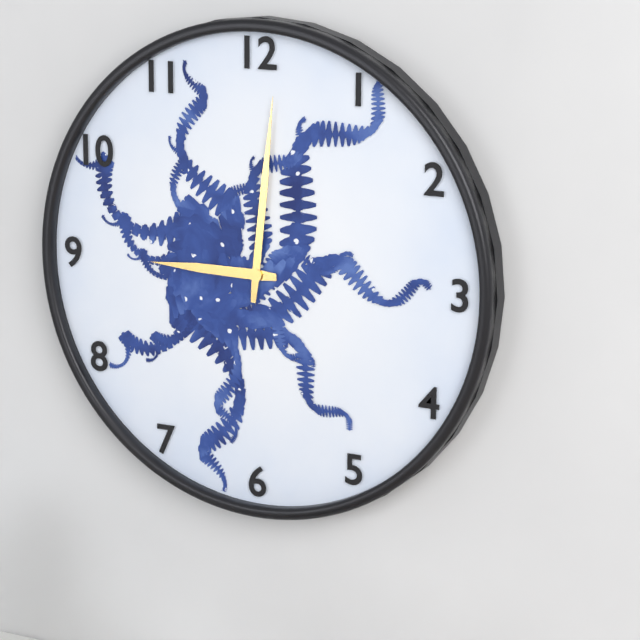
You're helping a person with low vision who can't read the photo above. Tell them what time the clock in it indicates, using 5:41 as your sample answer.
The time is 9:01
